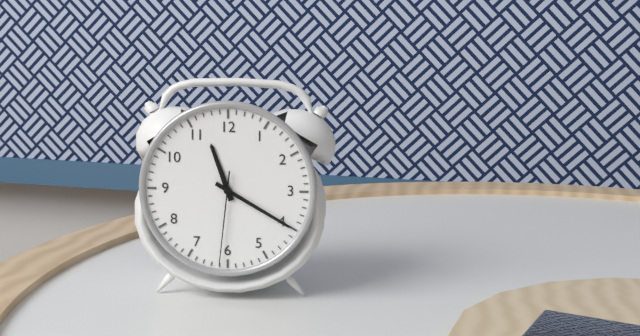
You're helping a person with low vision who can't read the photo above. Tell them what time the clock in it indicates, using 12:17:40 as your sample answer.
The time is 11:20:31
